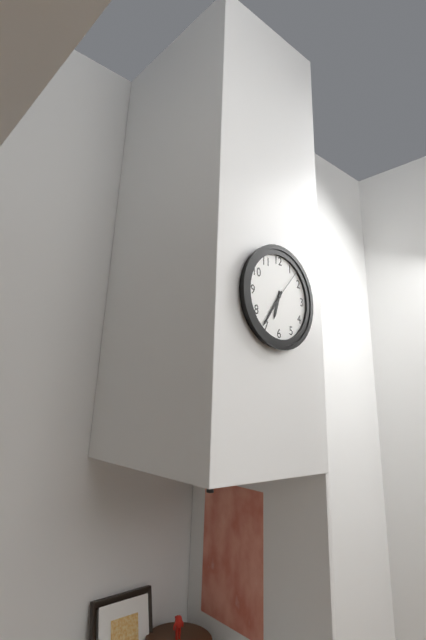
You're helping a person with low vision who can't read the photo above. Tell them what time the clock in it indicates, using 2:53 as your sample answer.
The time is 6:36
